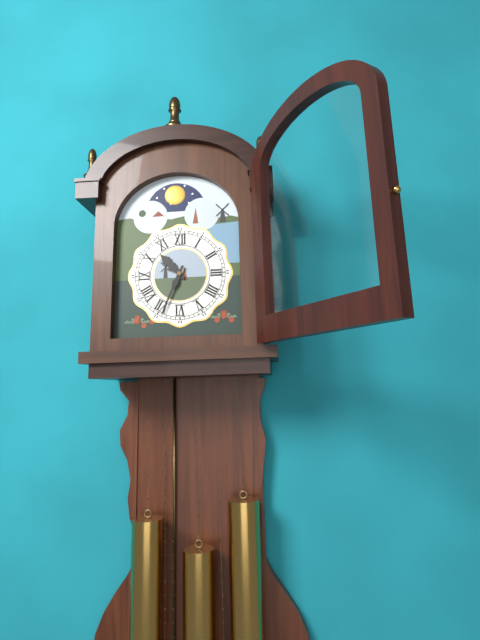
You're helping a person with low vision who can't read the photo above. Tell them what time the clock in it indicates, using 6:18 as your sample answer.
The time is 10:34
